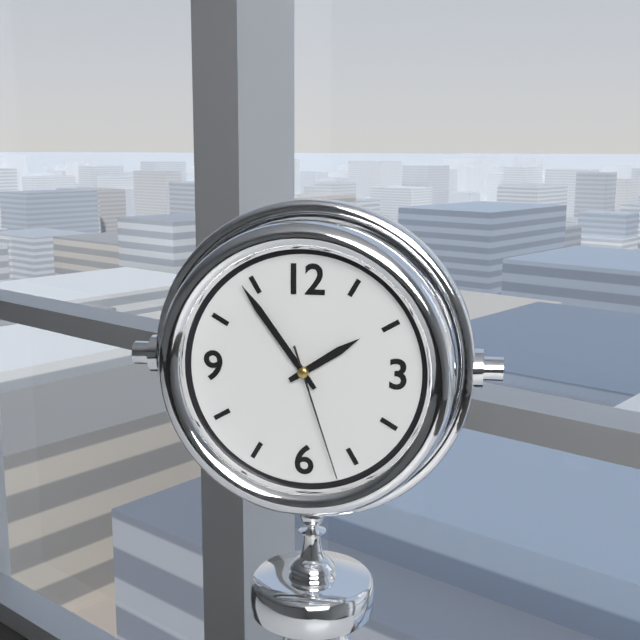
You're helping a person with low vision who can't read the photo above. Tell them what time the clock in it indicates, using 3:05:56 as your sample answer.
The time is 1:54:27
